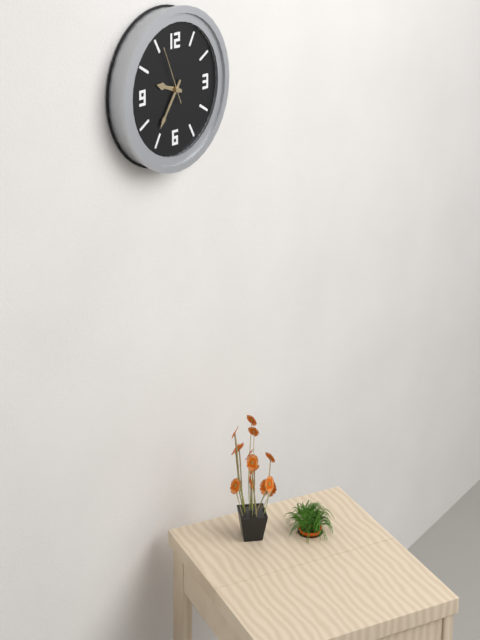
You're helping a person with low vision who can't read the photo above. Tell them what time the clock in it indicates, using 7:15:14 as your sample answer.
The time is 9:36:56
